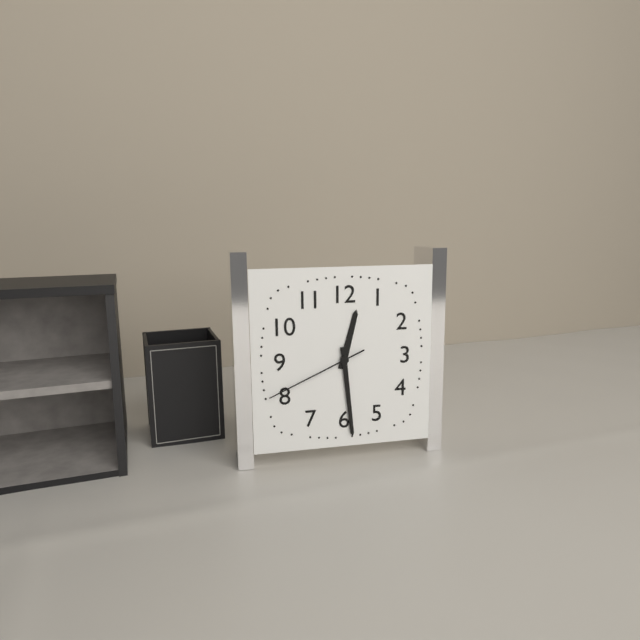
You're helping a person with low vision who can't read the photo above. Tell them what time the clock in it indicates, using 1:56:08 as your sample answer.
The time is 12:29:41
